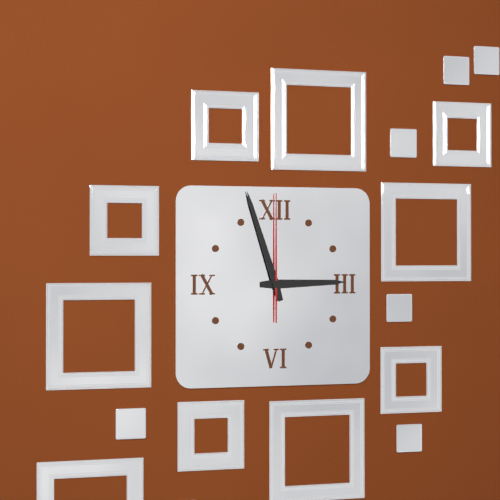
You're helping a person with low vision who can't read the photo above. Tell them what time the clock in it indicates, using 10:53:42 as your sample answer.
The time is 2:57:00
